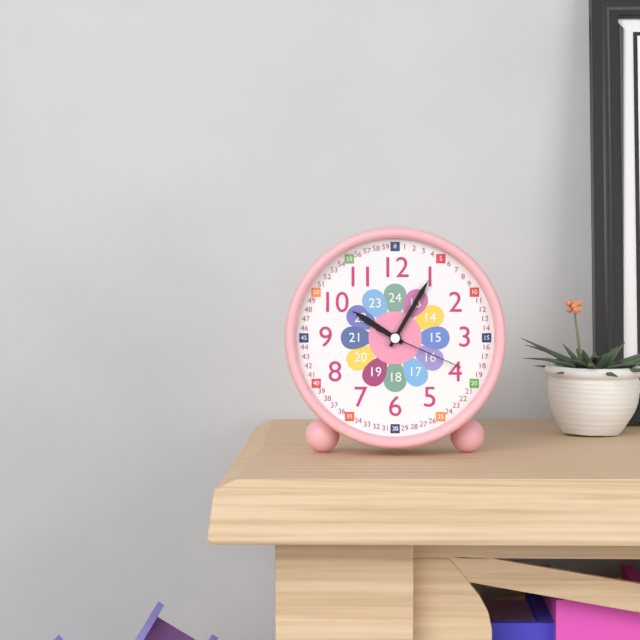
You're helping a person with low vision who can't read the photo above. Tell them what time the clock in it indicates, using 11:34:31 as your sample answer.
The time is 10:05:19
